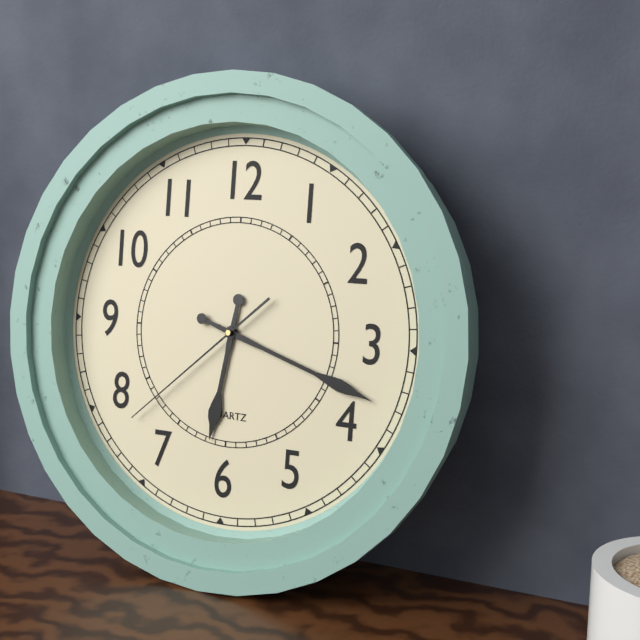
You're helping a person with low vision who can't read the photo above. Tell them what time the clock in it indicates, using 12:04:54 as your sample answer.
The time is 6:18:38
